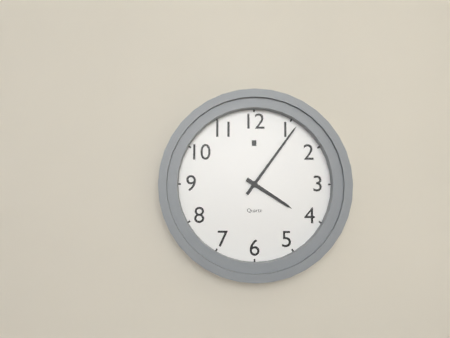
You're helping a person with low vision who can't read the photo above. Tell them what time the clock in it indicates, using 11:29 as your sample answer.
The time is 4:06
